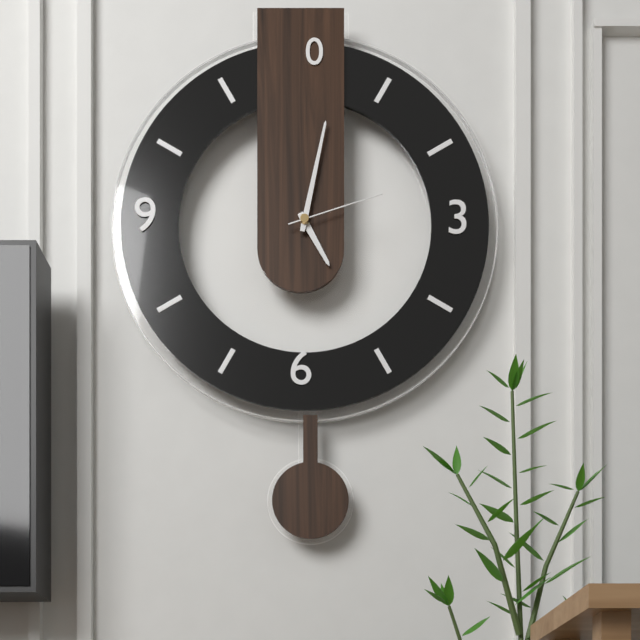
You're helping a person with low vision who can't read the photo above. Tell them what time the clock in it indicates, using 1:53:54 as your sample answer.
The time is 5:02:12
